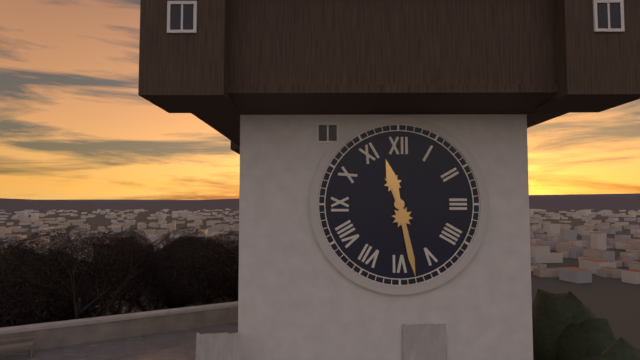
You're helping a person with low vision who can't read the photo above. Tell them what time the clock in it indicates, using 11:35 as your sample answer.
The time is 11:28
